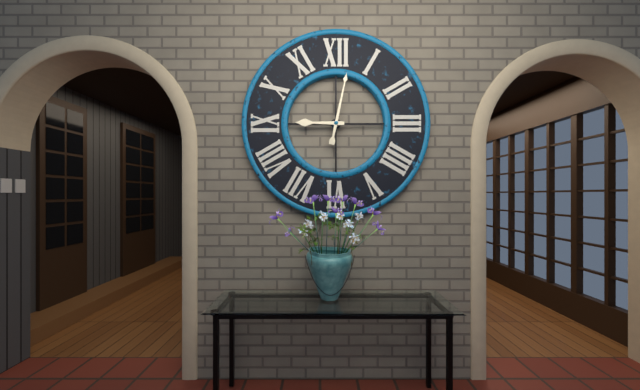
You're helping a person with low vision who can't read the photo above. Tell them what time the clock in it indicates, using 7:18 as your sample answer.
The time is 9:02
